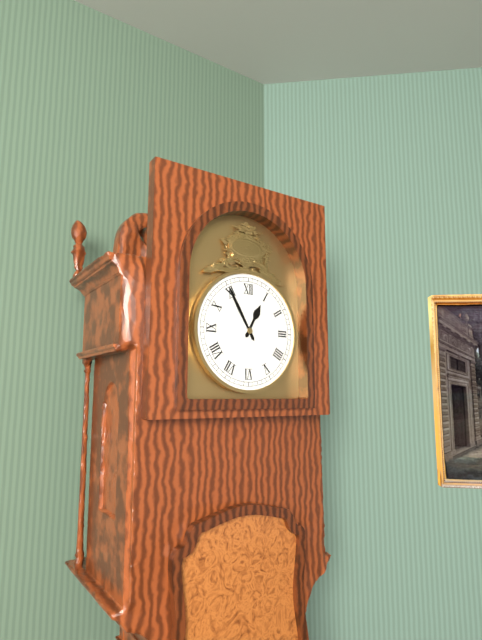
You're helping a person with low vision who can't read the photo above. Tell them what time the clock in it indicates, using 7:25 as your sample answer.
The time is 12:55
